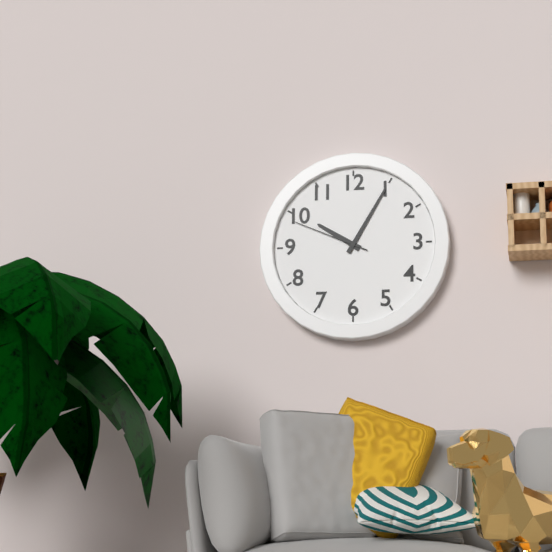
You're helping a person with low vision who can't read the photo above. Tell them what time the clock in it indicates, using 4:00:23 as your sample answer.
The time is 10:05:49
